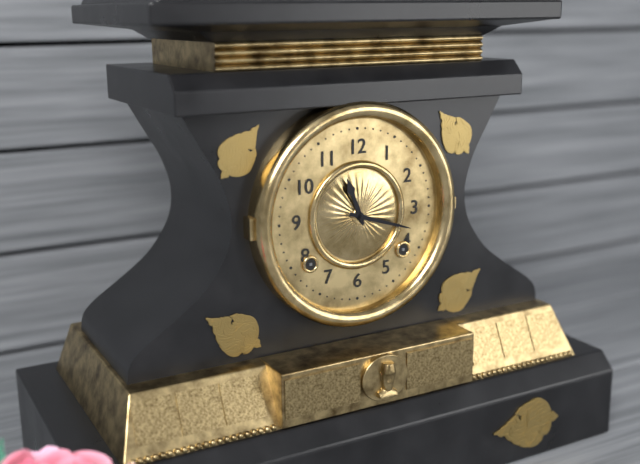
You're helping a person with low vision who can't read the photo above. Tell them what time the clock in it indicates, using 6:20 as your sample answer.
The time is 11:18
